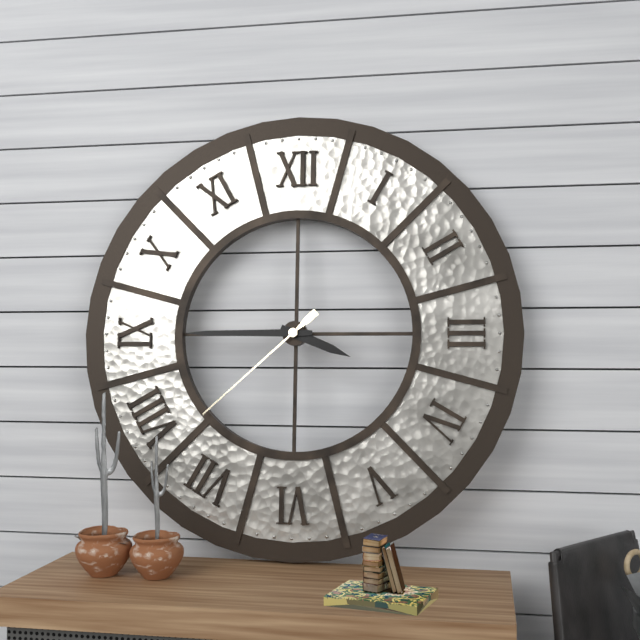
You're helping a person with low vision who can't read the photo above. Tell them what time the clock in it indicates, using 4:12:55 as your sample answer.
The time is 3:45:38
